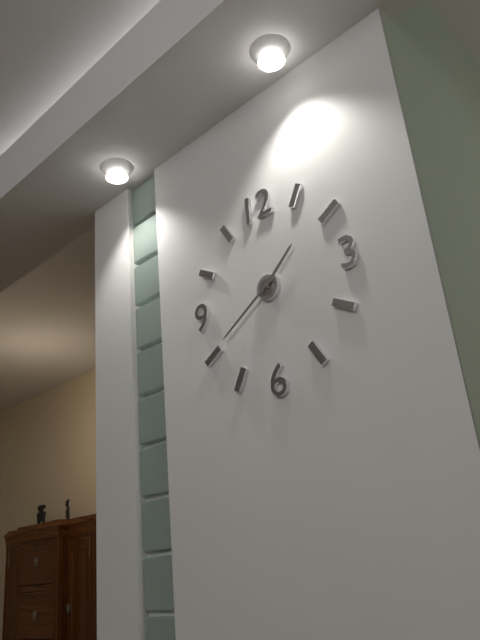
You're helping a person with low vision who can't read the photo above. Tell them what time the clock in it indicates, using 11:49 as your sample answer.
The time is 1:40
